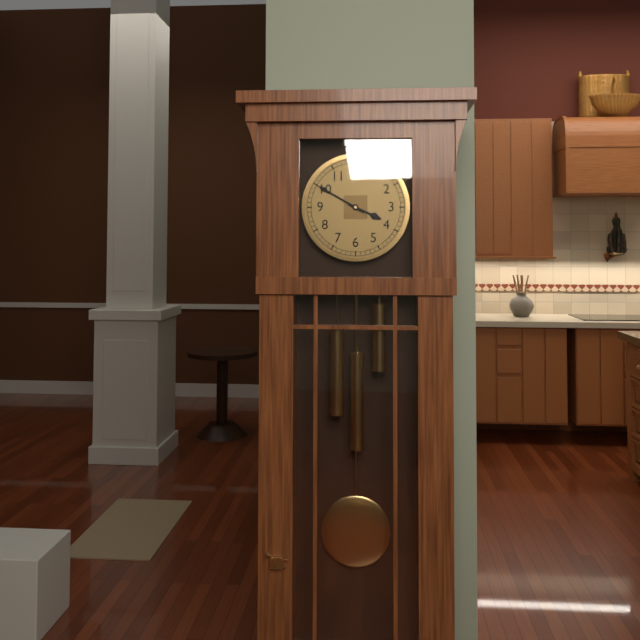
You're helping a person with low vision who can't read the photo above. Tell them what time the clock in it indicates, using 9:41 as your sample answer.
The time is 3:50
